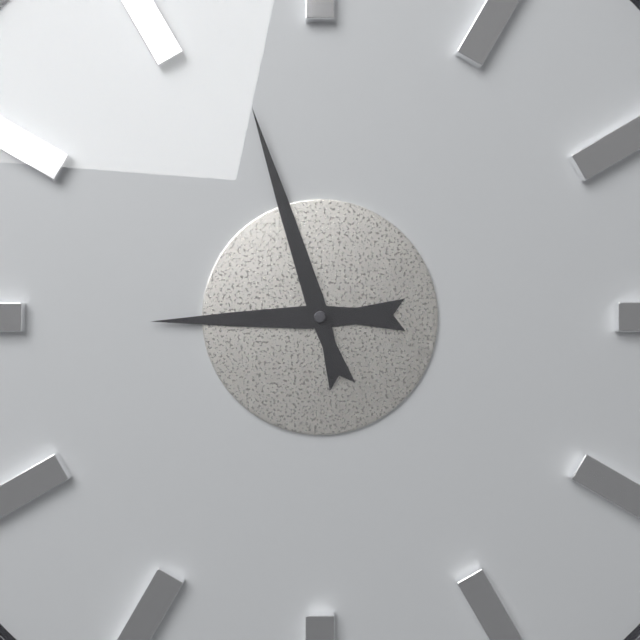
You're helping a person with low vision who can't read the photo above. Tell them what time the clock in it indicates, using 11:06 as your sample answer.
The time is 8:57
